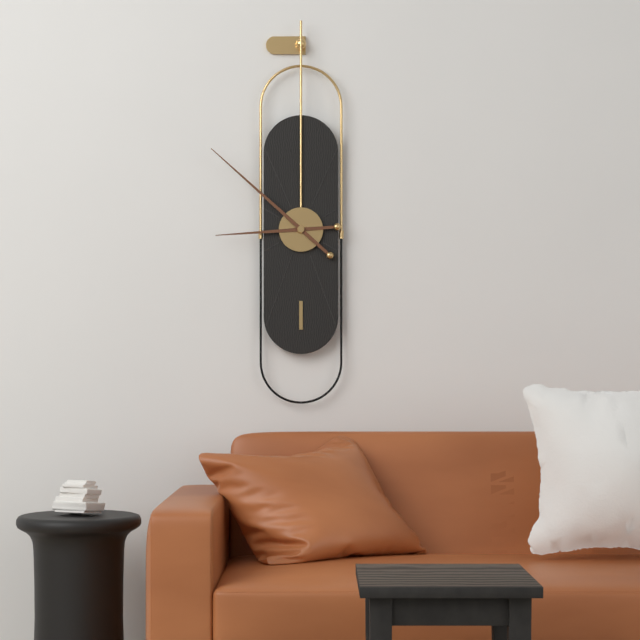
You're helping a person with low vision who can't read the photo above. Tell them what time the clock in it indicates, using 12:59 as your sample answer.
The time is 8:52
